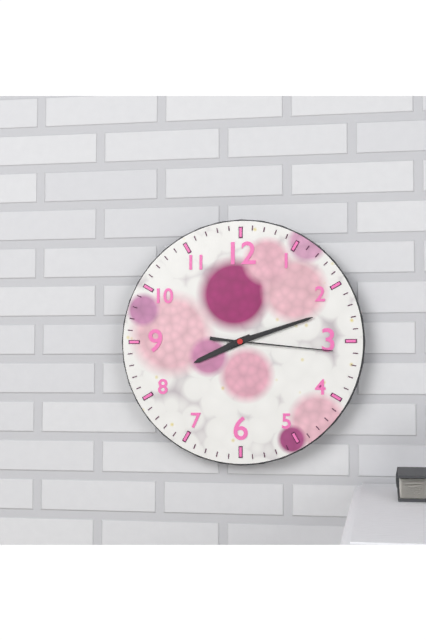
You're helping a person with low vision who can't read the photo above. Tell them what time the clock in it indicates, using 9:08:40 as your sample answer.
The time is 8:12:16
